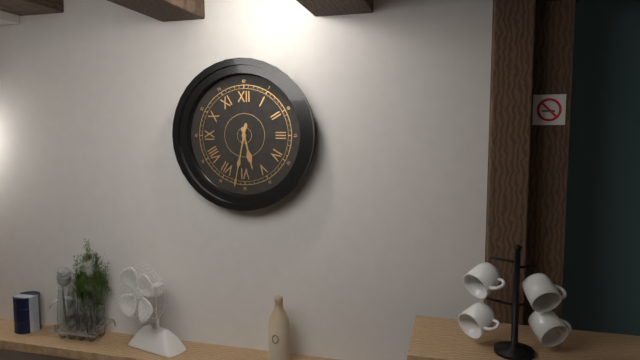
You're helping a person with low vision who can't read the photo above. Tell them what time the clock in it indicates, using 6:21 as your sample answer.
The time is 5:32
